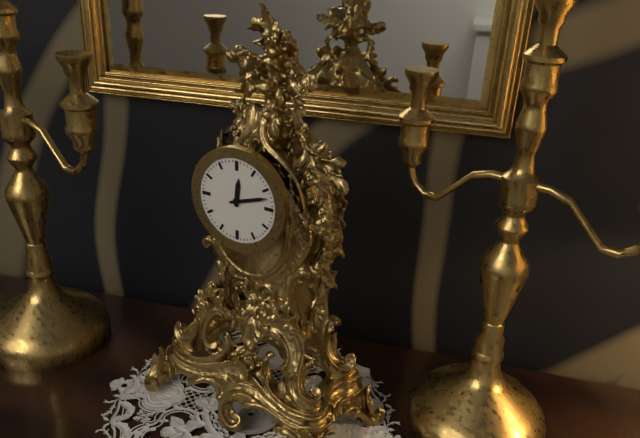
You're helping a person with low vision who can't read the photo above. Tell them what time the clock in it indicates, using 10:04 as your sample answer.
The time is 12:12
